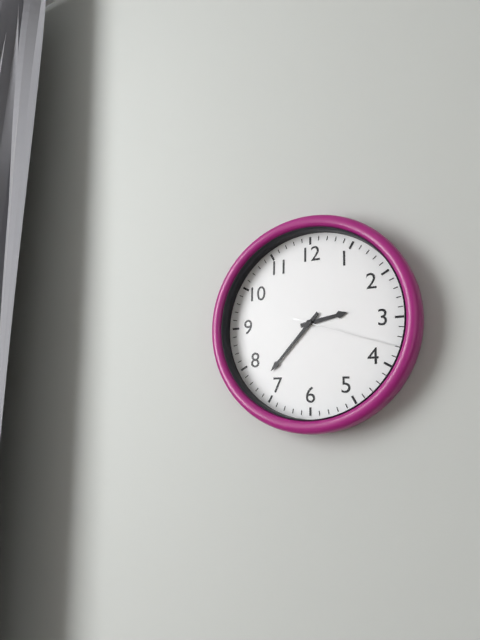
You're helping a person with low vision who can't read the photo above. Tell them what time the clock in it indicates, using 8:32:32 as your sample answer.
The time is 2:37:18
